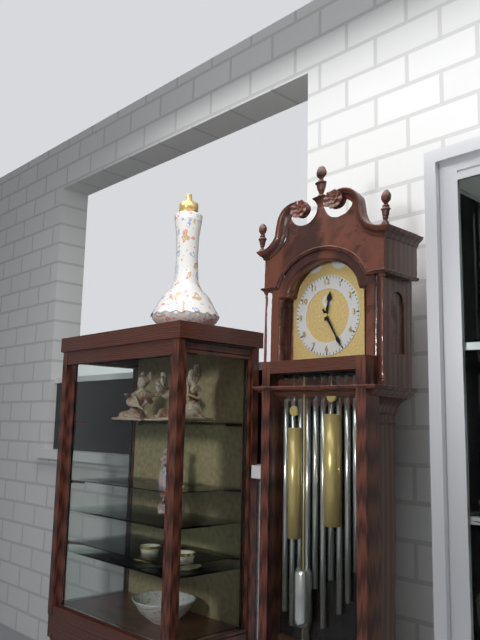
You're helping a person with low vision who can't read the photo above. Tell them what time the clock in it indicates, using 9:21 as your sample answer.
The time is 12:25
